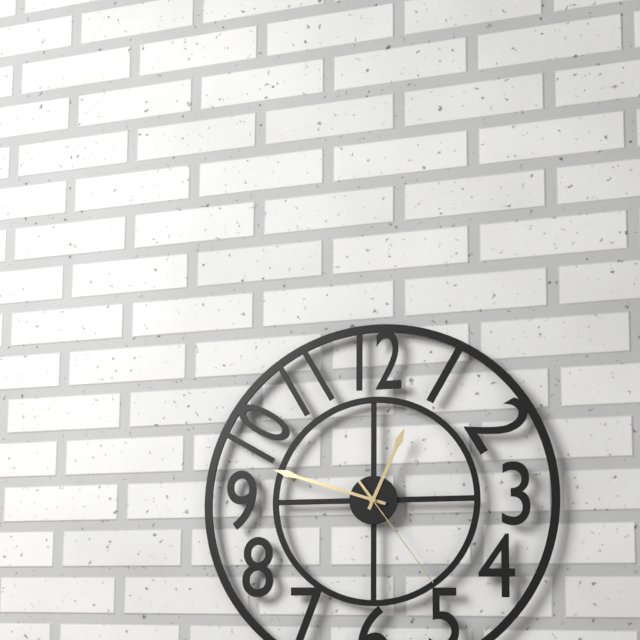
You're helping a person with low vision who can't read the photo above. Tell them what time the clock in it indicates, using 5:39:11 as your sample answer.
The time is 12:48:24
